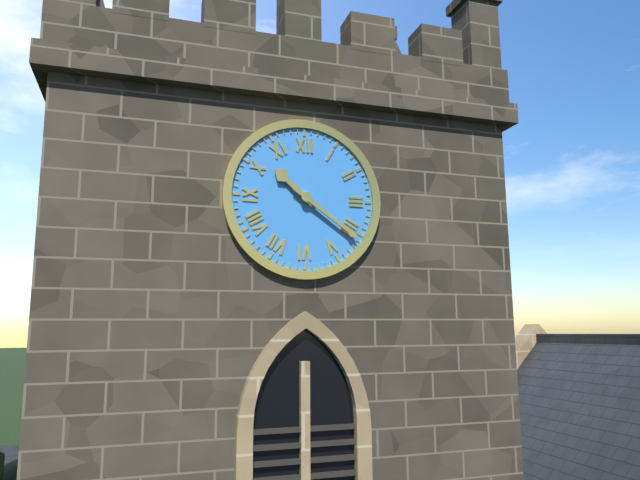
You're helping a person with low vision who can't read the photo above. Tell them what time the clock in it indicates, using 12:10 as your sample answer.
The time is 10:21
